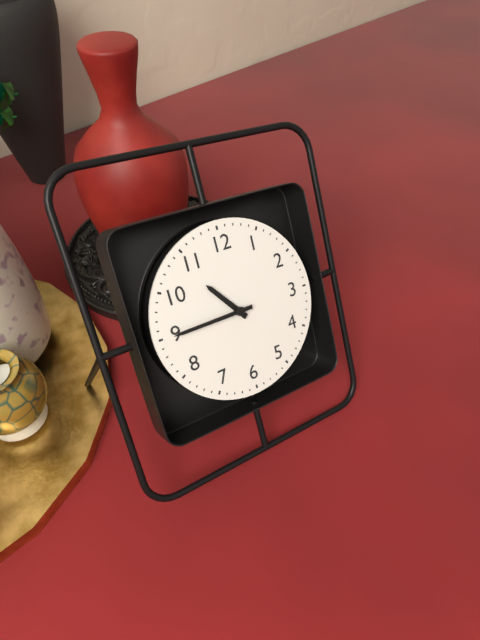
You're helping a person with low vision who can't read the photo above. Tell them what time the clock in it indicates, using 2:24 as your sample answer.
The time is 10:45
